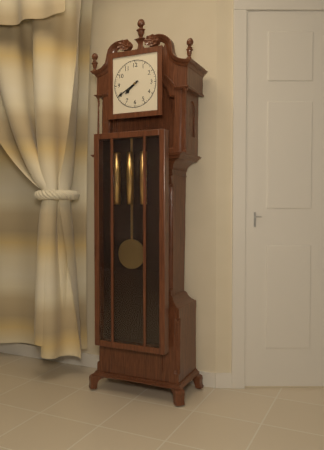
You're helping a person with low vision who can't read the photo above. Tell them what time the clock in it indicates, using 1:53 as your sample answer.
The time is 7:40
